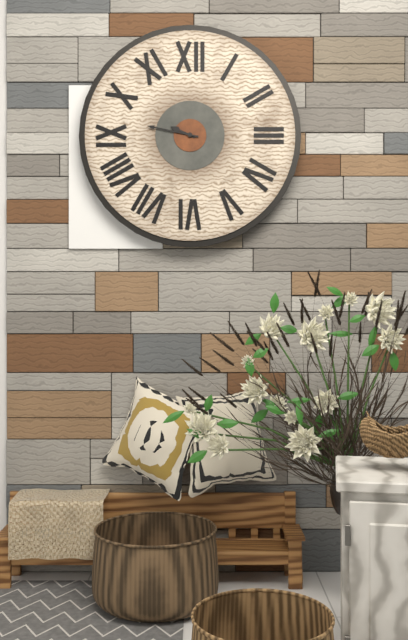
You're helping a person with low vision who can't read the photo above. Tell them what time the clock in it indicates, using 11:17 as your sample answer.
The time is 9:47
